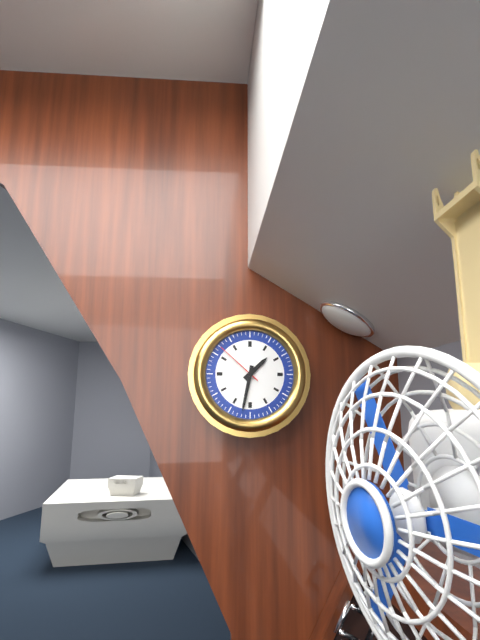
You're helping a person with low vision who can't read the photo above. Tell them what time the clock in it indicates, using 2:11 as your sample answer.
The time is 1:32
